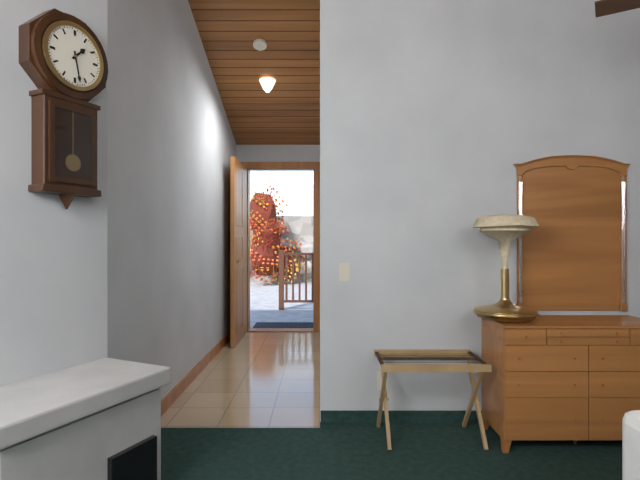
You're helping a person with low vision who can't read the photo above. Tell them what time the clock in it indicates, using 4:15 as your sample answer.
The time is 1:28
